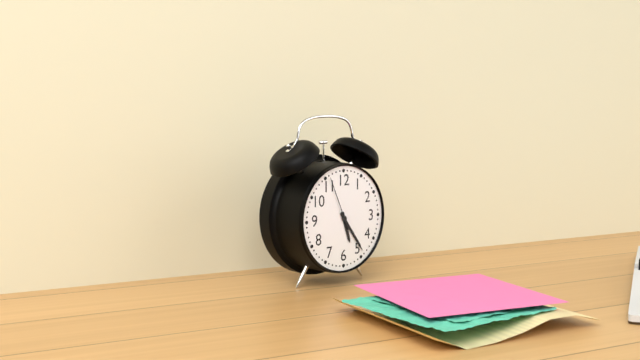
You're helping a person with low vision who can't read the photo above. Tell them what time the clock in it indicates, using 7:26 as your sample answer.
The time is 5:24
